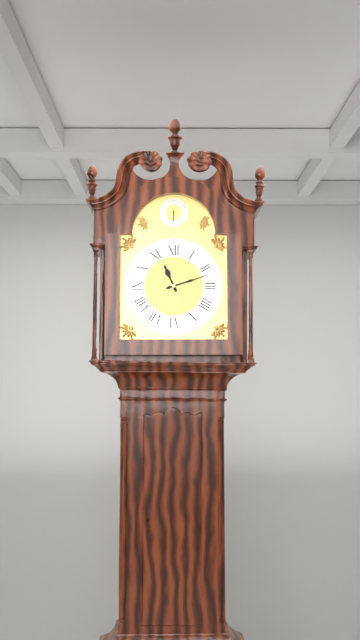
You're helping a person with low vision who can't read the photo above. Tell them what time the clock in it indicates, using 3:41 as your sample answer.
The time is 11:12
